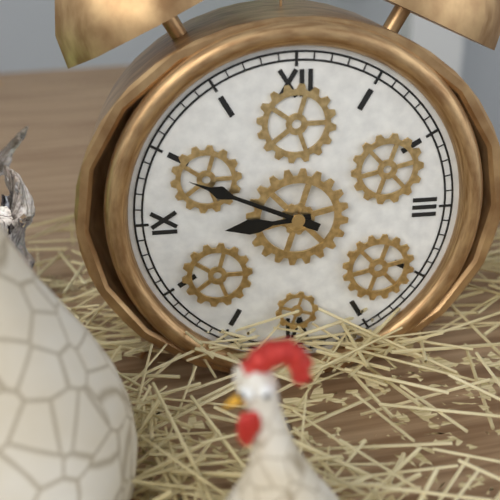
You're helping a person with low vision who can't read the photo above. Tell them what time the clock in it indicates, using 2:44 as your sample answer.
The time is 8:49
